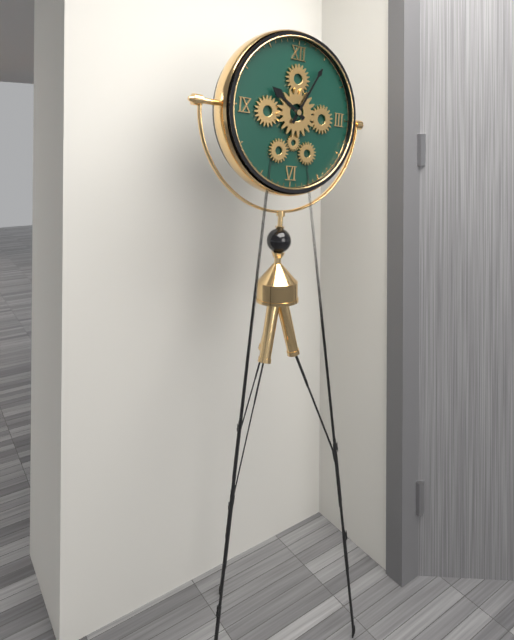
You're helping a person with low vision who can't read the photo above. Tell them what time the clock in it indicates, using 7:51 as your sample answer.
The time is 10:05
